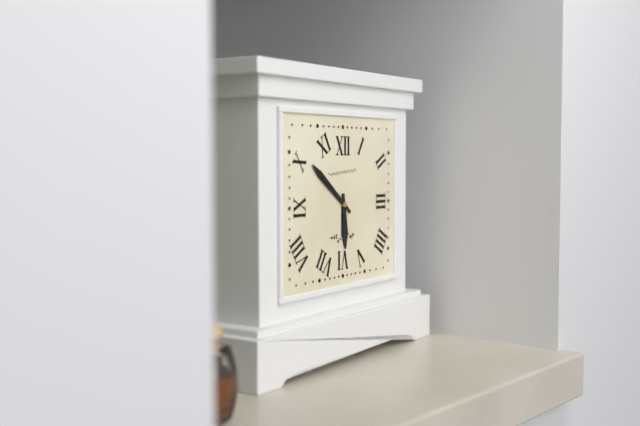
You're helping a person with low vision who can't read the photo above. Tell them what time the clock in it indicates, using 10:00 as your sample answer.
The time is 5:51
